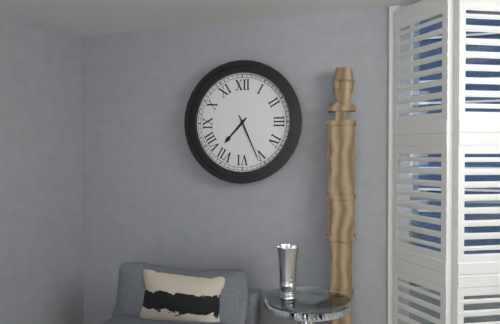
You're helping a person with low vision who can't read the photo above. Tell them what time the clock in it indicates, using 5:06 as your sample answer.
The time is 7:26
